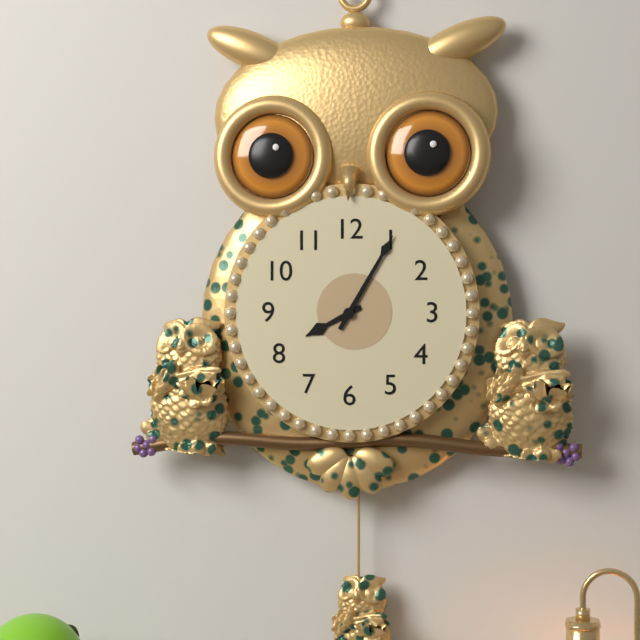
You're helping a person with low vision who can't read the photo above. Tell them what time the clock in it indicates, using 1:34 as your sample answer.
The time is 8:05
